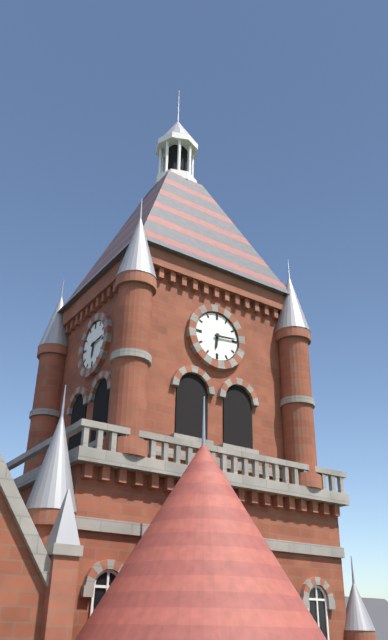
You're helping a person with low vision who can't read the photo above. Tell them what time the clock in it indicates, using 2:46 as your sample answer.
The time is 6:14
